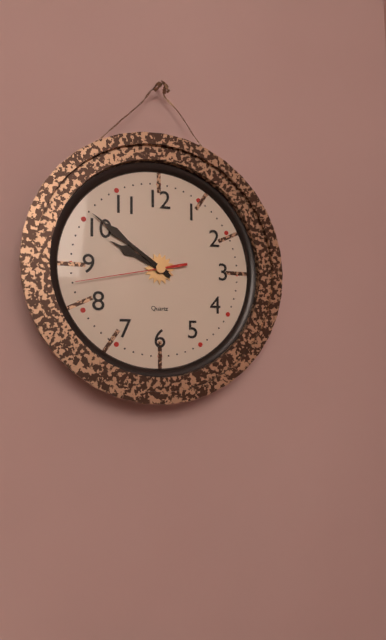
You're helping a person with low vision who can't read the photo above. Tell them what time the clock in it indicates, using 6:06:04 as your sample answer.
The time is 9:51:43
